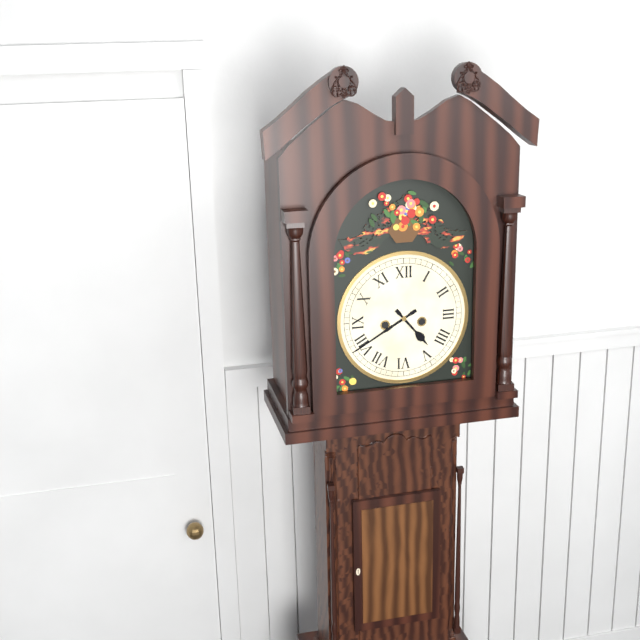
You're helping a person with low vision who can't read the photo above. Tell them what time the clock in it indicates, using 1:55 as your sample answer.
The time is 4:40
